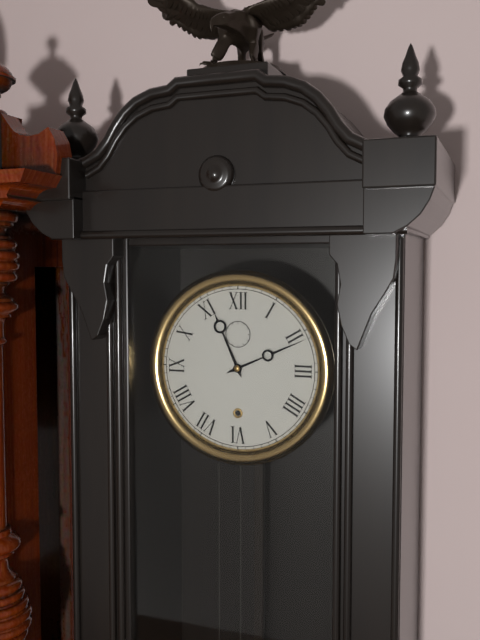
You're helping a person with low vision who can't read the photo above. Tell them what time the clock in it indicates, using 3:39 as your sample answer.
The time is 11:11
